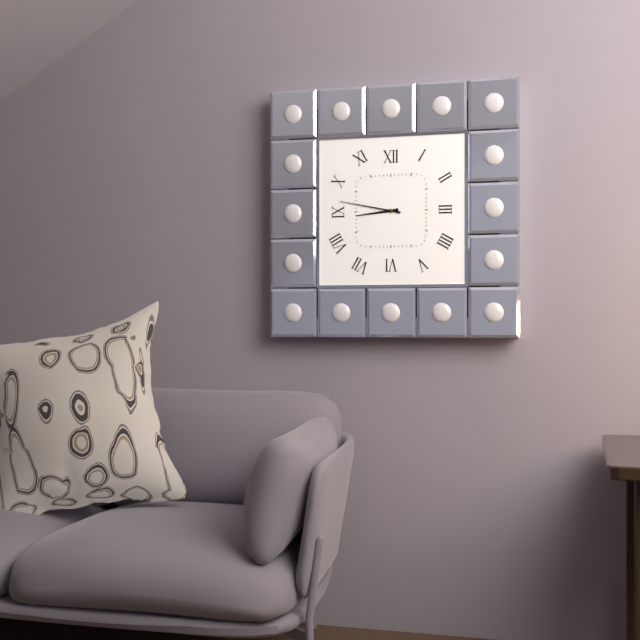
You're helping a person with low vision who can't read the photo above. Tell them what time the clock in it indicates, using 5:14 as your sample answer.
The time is 8:47
